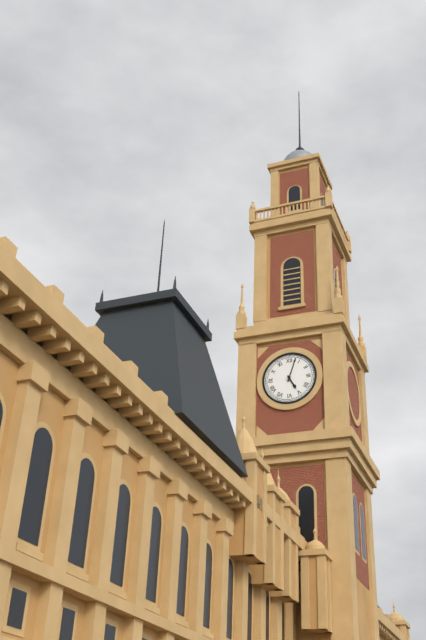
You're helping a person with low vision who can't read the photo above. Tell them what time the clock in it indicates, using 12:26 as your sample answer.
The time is 5:03
